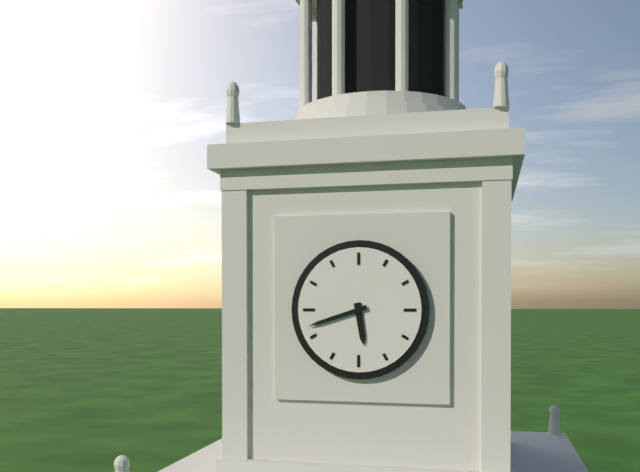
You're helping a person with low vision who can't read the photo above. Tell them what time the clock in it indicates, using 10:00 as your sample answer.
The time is 5:42
